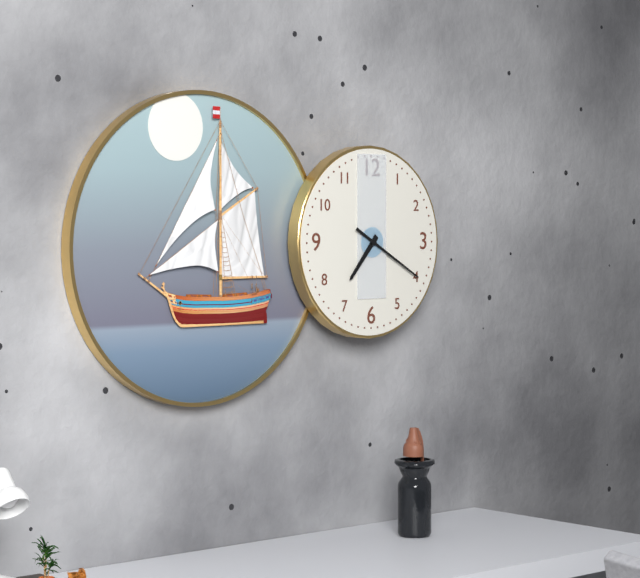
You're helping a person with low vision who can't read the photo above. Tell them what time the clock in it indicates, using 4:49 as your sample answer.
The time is 7:20
